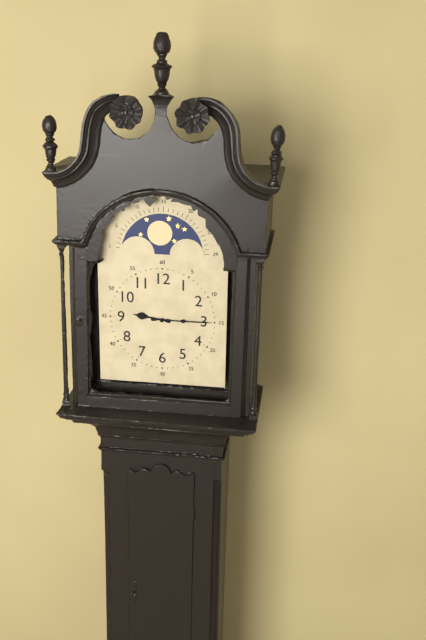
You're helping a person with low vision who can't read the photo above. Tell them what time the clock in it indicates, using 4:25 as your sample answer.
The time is 9:15
